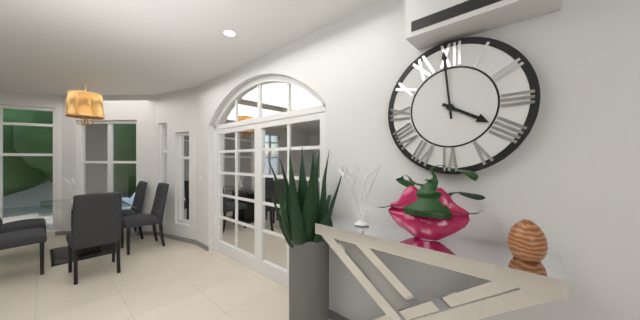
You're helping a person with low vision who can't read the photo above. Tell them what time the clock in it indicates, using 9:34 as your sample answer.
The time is 3:59
